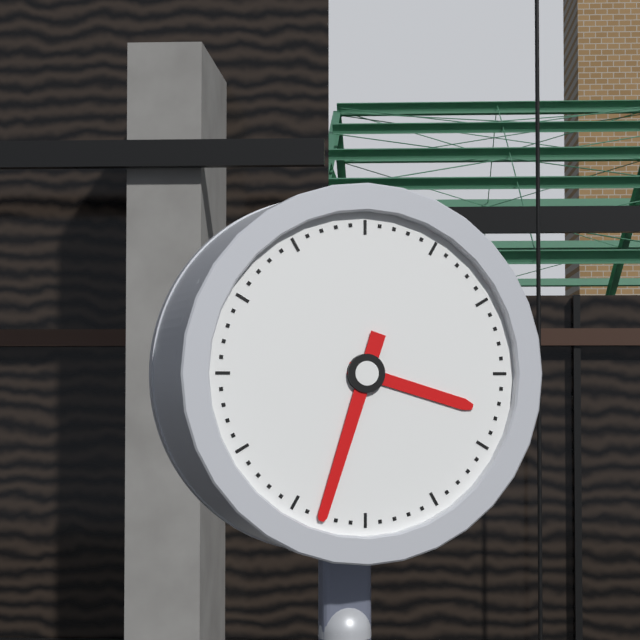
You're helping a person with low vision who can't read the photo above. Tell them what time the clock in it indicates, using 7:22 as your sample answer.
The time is 3:33
